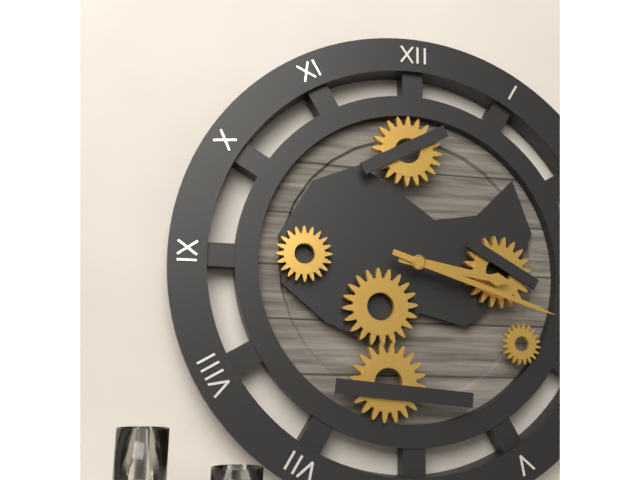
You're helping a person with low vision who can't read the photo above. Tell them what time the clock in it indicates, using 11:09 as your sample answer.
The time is 3:18
